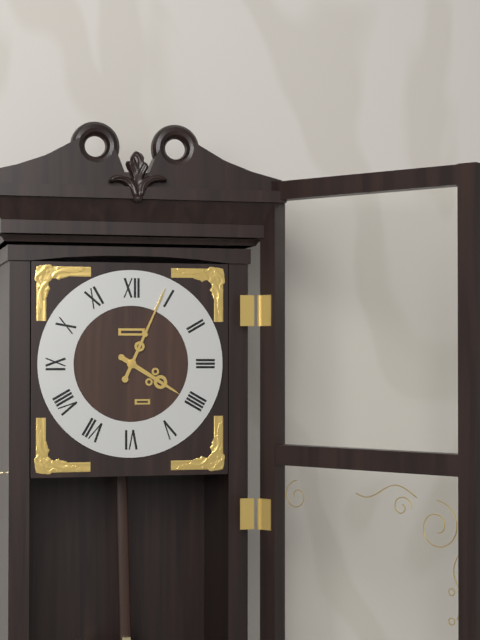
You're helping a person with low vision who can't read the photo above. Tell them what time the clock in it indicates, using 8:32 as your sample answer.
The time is 4:04
